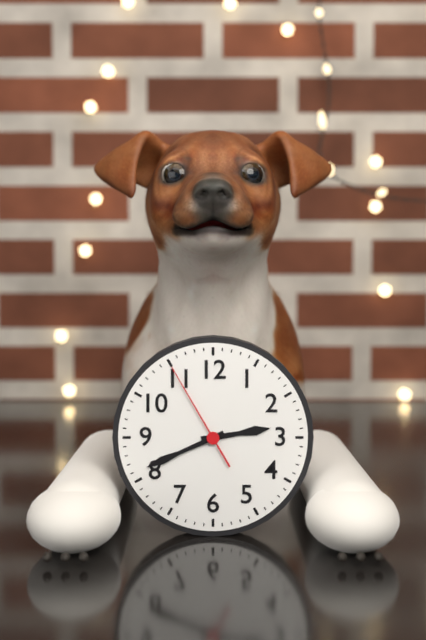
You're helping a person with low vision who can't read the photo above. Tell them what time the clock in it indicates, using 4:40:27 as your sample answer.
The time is 2:41:55
